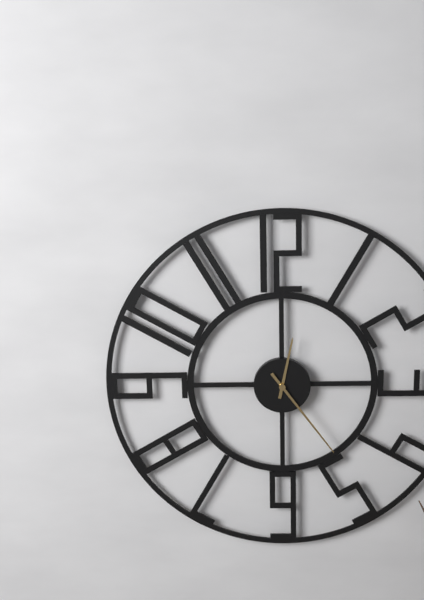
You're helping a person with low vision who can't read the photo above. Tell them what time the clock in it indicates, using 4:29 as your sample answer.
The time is 12:24
